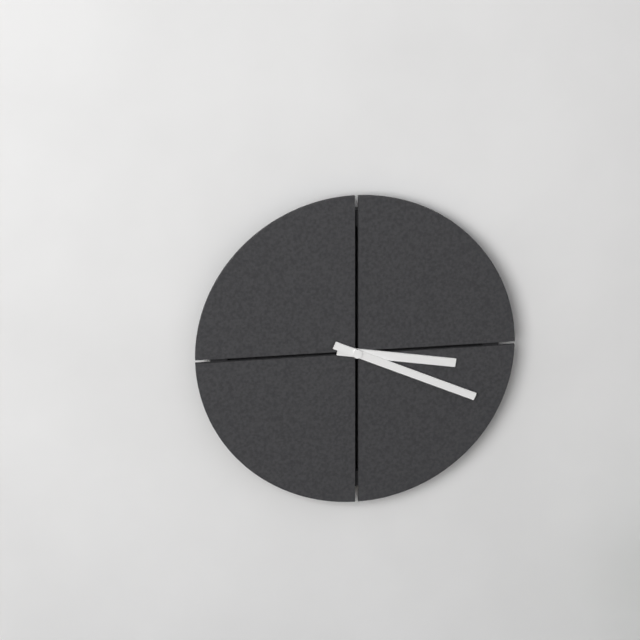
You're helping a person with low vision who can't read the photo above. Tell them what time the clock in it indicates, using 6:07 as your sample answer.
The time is 3:19
